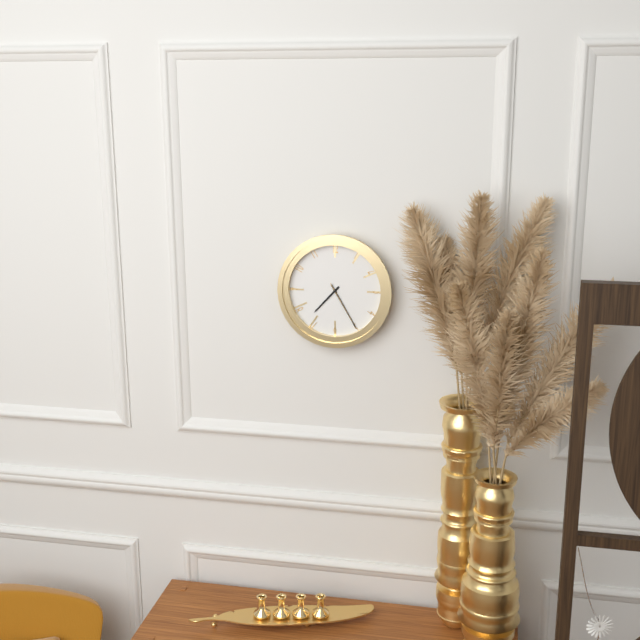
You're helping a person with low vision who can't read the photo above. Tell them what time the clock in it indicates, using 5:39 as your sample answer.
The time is 7:25
